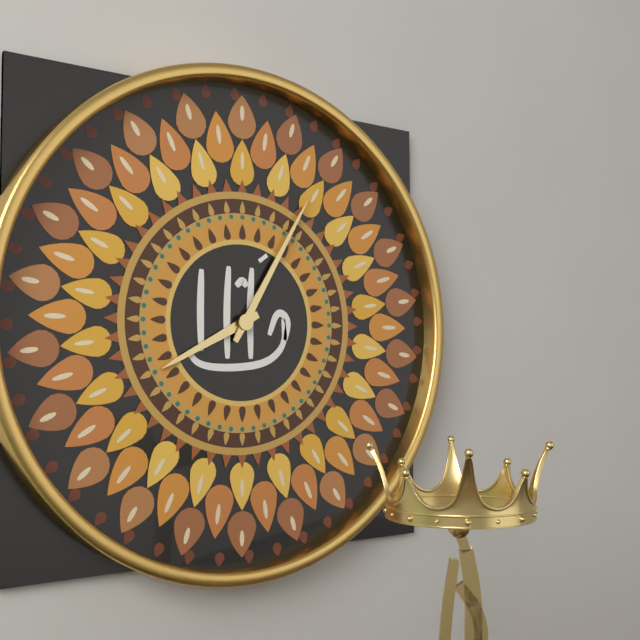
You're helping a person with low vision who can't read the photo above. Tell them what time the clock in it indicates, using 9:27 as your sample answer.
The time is 8:05
